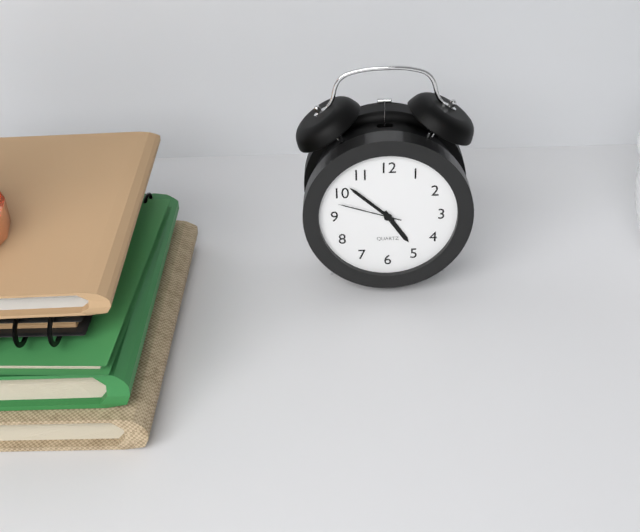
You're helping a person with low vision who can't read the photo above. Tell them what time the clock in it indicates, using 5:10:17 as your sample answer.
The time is 4:52:48
